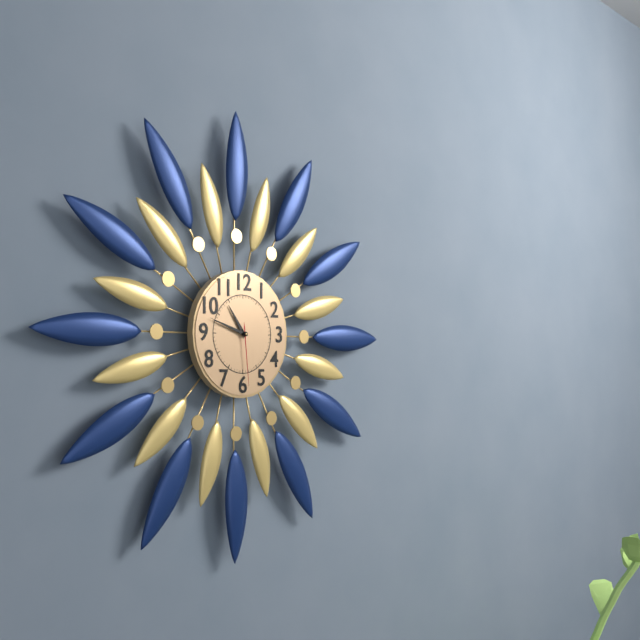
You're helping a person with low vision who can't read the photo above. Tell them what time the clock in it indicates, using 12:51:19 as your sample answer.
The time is 10:48:29
